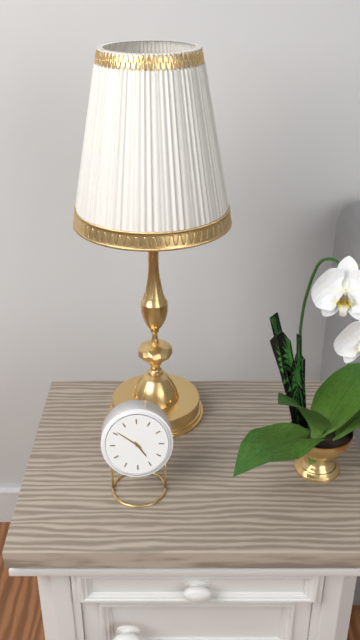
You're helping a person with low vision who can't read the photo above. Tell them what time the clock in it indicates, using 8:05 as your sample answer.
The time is 4:51
